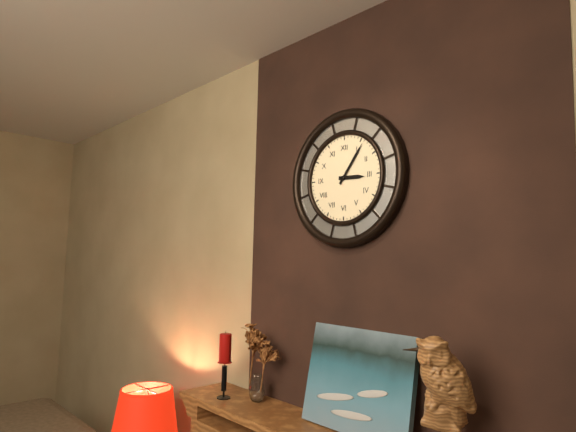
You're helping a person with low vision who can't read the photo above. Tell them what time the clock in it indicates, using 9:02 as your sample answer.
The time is 3:06
